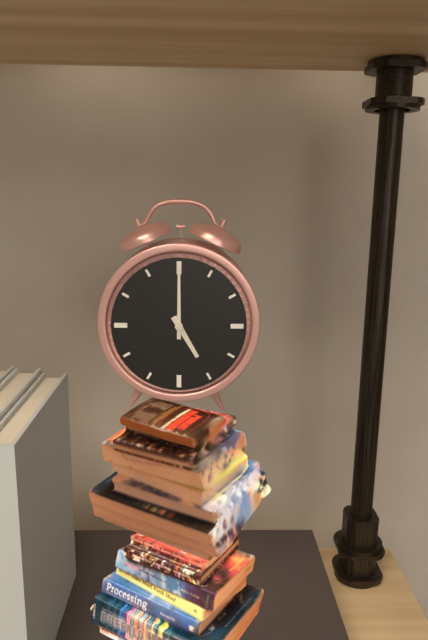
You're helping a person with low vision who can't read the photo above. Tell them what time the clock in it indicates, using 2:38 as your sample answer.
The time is 5:00
